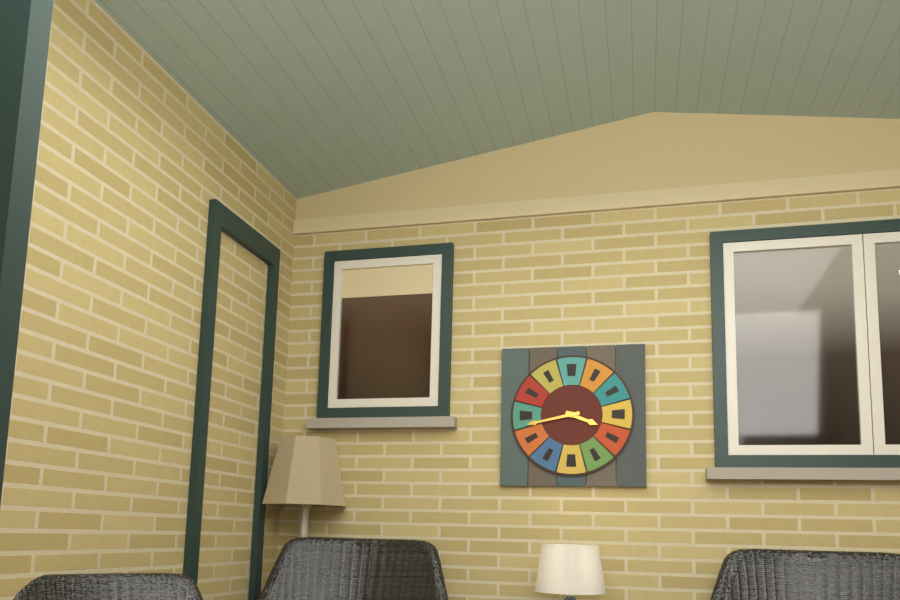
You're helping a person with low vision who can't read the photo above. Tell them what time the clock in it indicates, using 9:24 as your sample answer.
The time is 3:43
